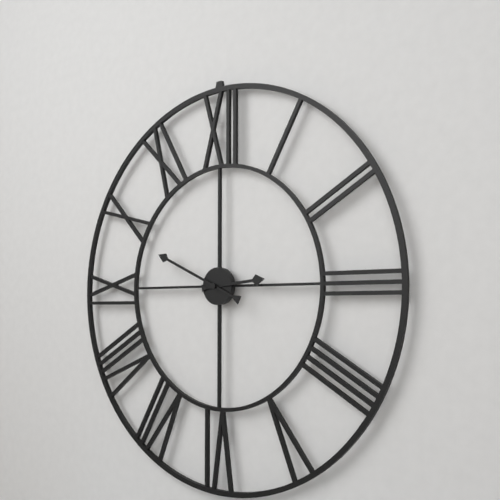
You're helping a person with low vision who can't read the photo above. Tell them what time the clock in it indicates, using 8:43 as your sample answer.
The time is 2:49
